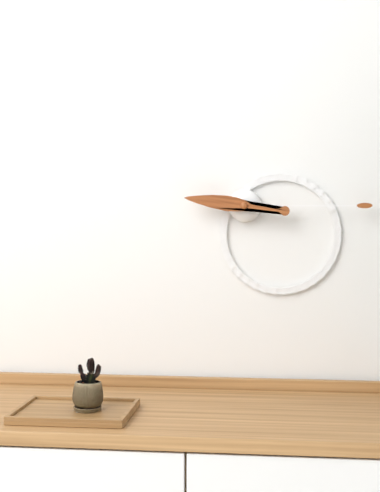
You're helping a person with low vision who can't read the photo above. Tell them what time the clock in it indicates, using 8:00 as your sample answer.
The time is 9:15
